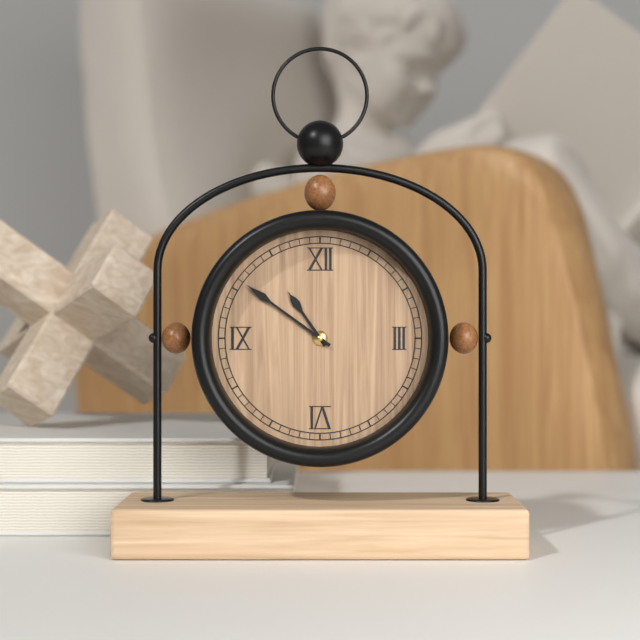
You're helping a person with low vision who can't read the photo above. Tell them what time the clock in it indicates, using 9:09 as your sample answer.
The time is 10:51
